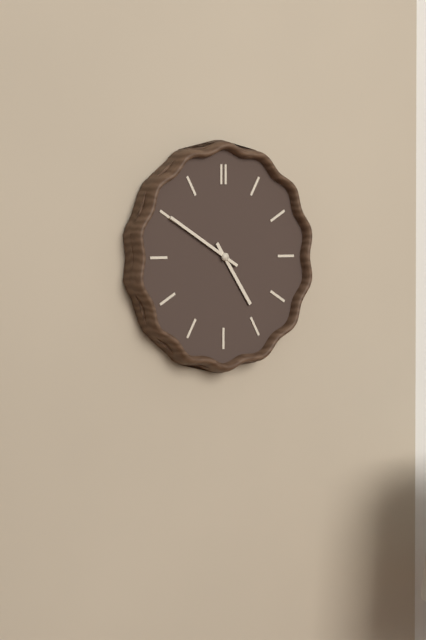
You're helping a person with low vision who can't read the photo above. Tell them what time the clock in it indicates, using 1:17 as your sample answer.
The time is 4:50
